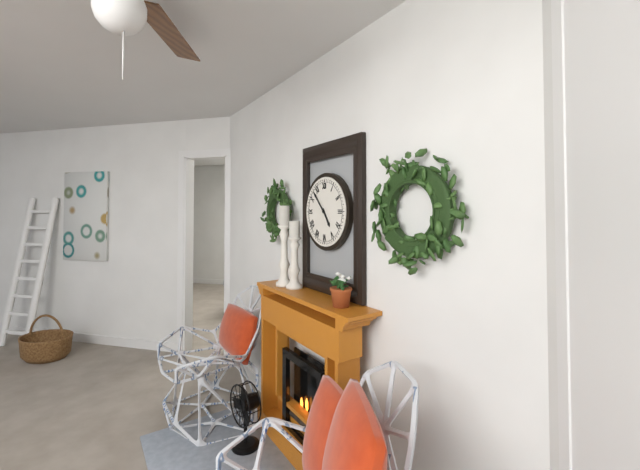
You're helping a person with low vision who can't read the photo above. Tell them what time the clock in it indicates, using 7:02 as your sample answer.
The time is 4:53
